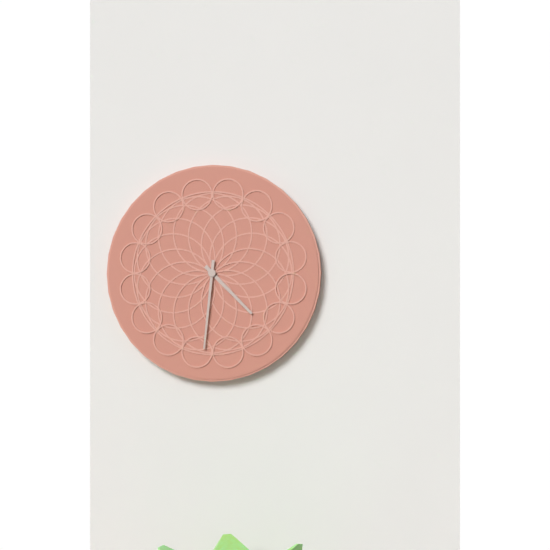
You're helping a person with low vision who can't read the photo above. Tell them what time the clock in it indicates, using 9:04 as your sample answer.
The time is 4:31
